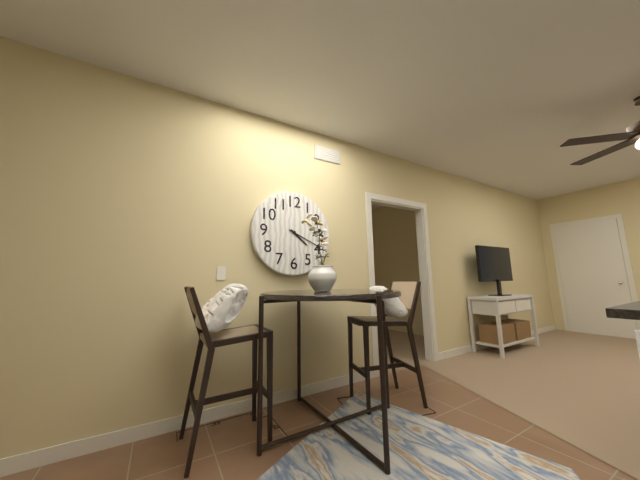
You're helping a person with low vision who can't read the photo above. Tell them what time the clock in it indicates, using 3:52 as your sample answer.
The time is 4:19
